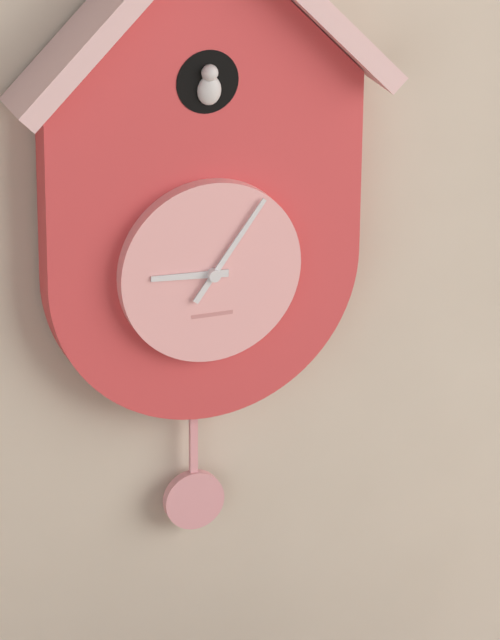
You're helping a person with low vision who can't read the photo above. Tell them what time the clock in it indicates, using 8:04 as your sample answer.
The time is 9:06
